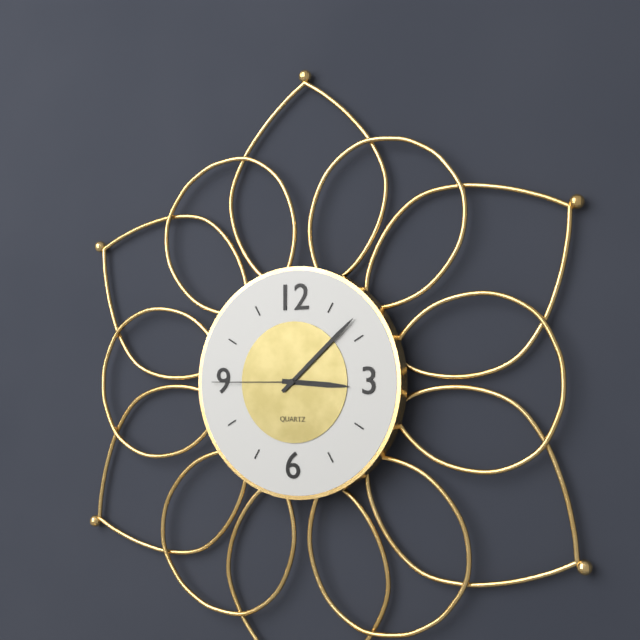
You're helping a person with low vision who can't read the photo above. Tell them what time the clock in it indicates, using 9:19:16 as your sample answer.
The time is 3:08:45
